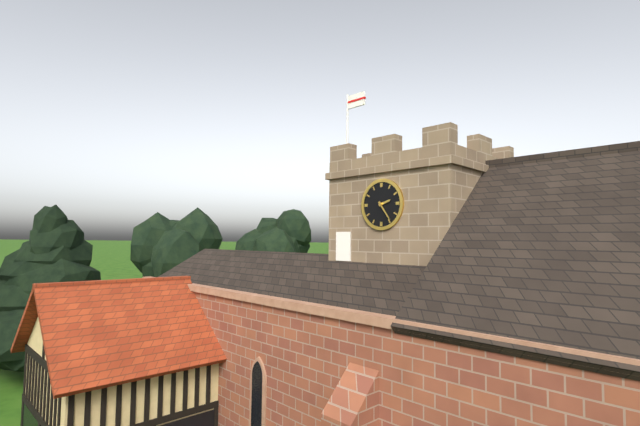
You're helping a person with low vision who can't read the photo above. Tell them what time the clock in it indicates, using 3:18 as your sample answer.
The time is 2:24
